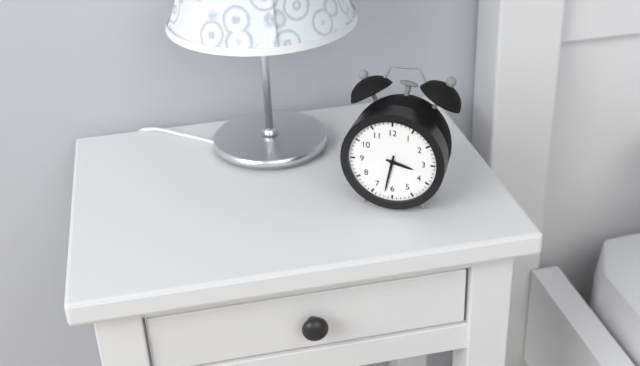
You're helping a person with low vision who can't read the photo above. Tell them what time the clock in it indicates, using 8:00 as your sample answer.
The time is 3:32
